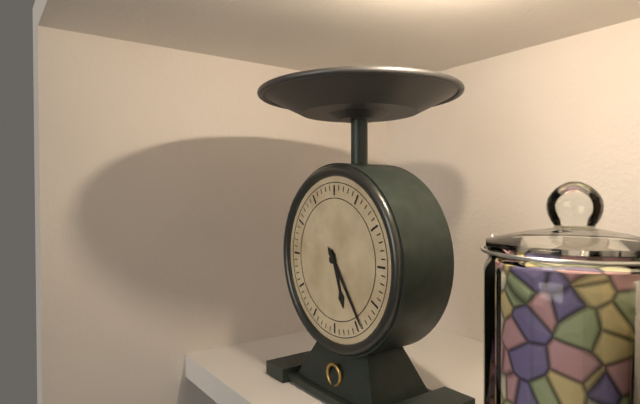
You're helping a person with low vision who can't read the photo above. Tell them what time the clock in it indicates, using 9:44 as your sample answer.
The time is 5:24
